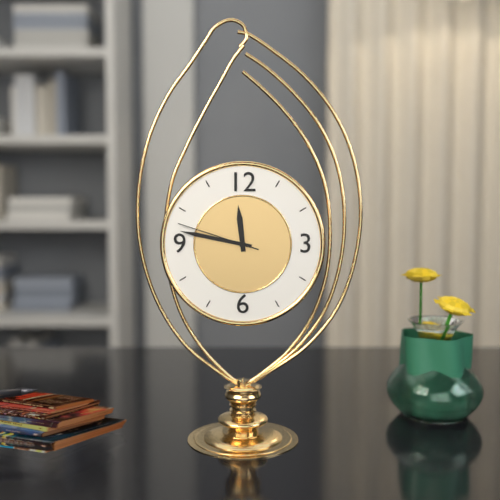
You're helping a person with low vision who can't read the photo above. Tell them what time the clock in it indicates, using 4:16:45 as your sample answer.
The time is 11:47:48
